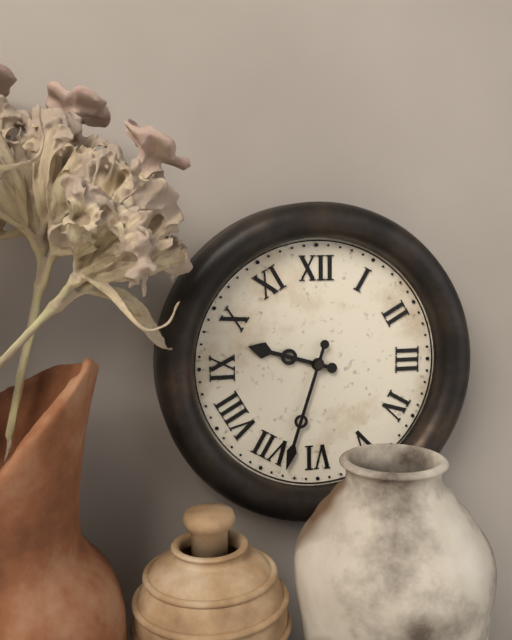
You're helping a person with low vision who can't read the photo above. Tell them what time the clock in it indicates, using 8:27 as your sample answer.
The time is 9:33
